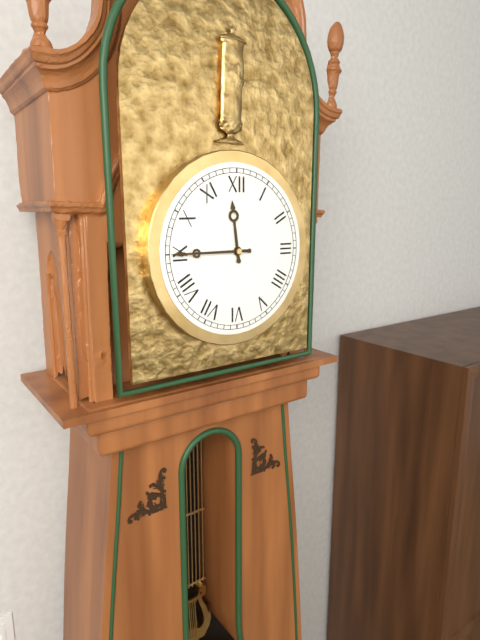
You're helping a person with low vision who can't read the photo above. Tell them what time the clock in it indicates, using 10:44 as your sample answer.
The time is 11:45
